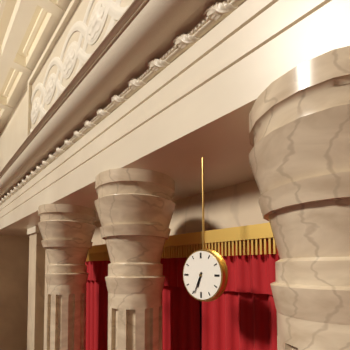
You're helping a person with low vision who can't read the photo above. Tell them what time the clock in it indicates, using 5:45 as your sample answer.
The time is 6:34
